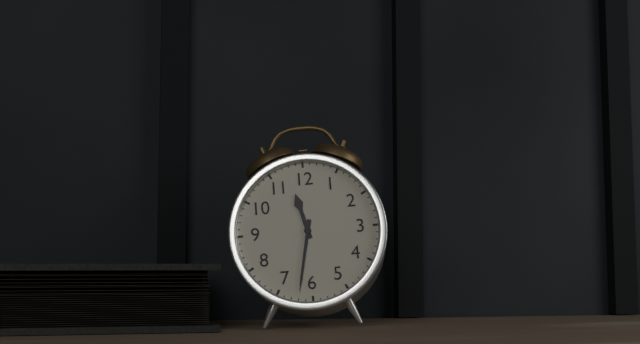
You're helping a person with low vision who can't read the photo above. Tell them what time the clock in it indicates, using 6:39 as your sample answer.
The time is 11:32
